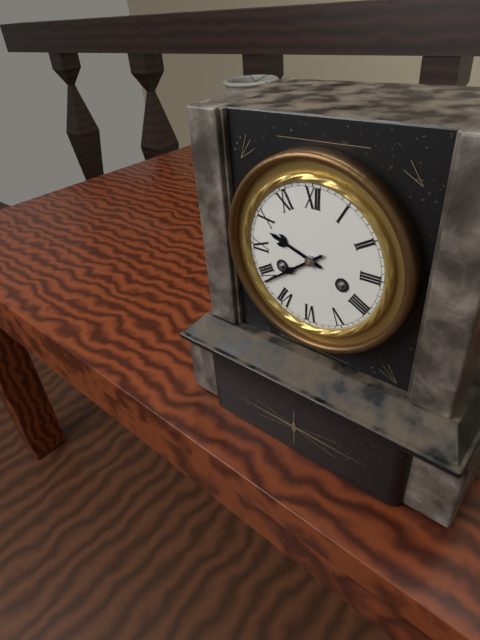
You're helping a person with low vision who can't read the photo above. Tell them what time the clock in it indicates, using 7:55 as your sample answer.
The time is 9:39
